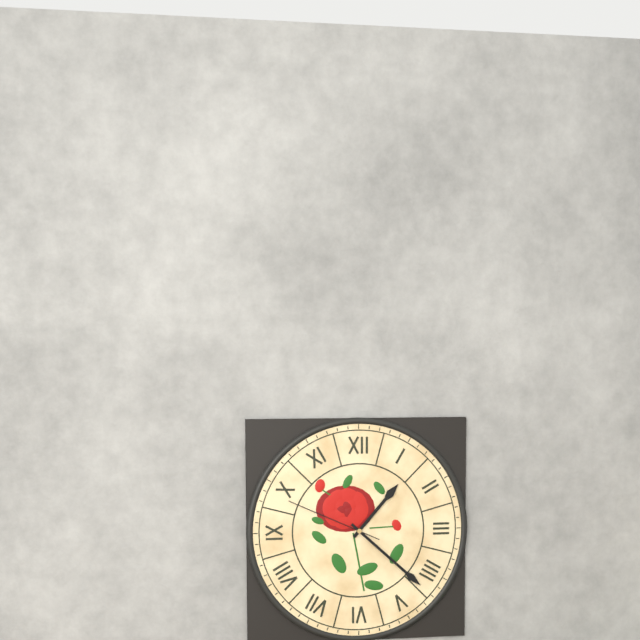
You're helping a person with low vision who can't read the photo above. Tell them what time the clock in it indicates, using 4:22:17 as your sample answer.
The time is 1:22:49
